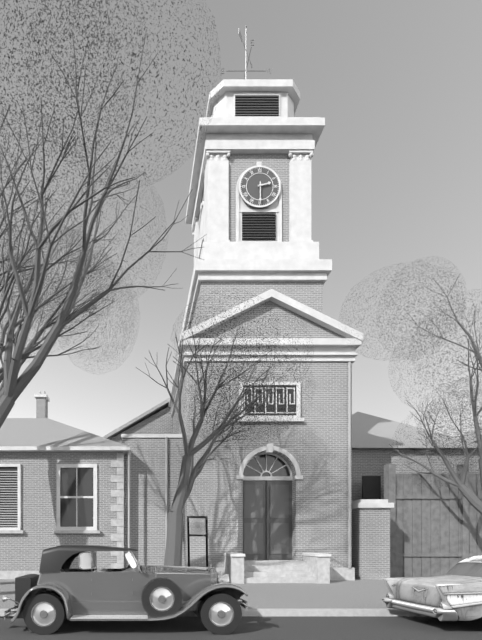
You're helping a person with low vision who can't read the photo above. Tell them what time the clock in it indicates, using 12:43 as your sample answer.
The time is 2:30
